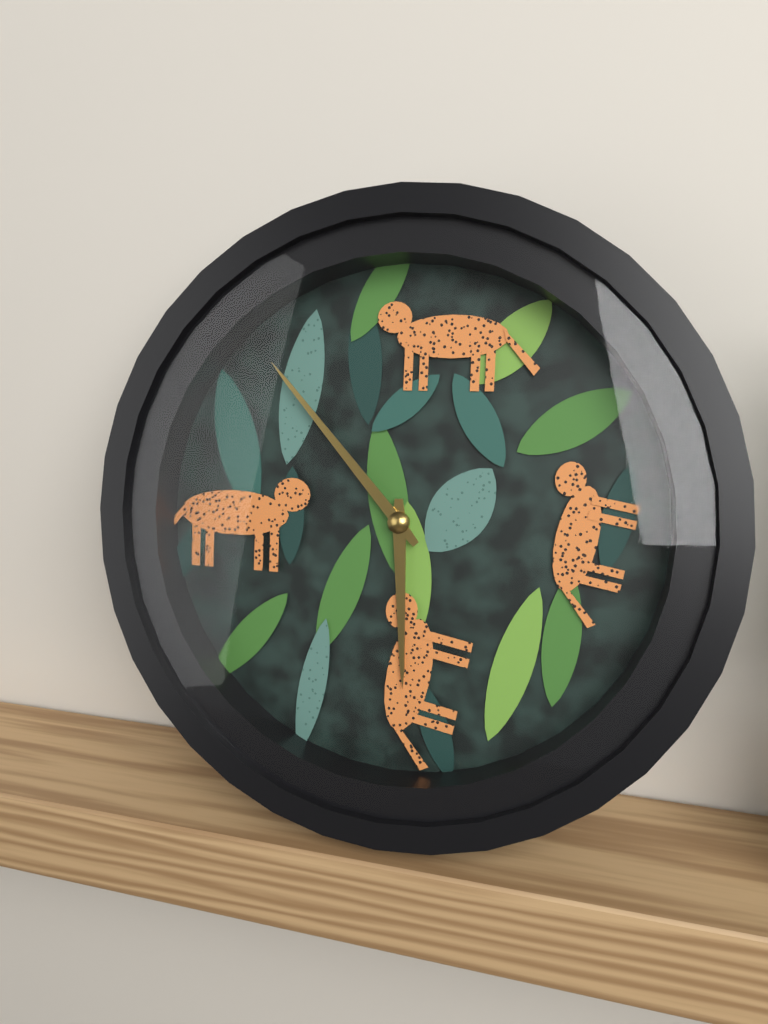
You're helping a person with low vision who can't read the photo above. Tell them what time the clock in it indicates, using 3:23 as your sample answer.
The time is 5:53
